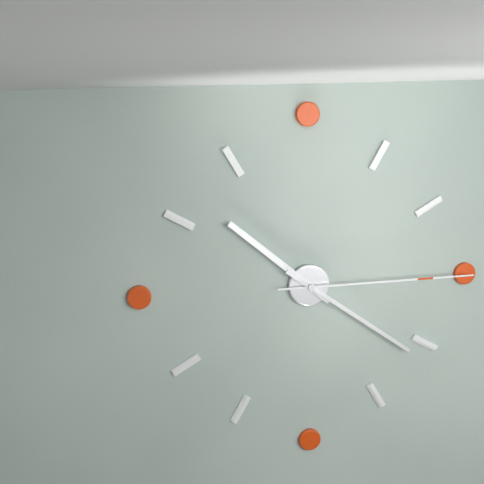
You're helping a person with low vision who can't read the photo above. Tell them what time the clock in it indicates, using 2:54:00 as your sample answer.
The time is 10:21:15
